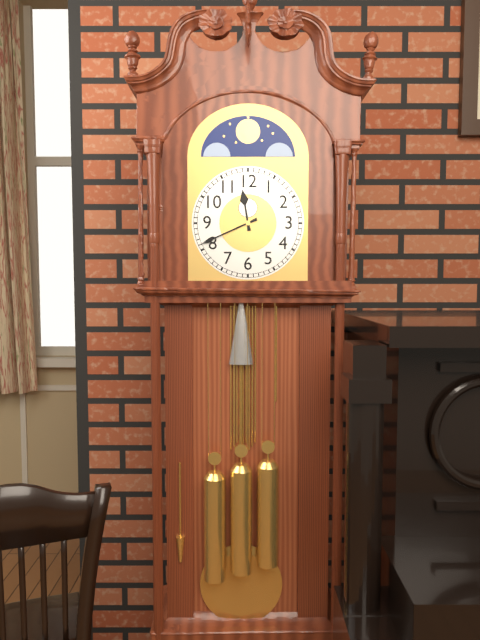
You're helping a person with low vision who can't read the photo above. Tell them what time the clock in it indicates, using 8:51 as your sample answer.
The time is 11:41
